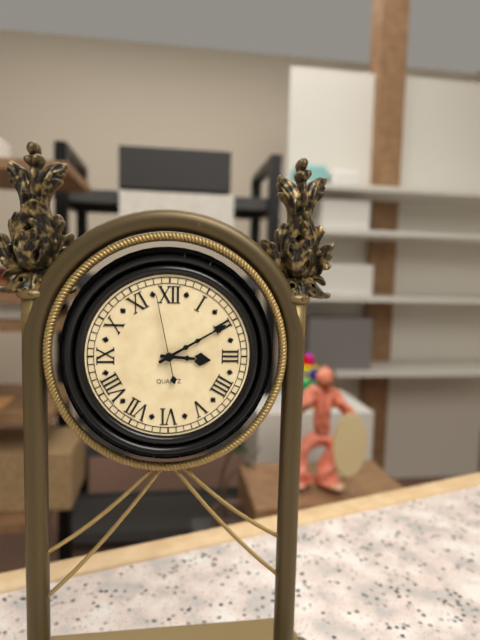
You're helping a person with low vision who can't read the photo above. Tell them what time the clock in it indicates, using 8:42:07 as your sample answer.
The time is 3:10:58
